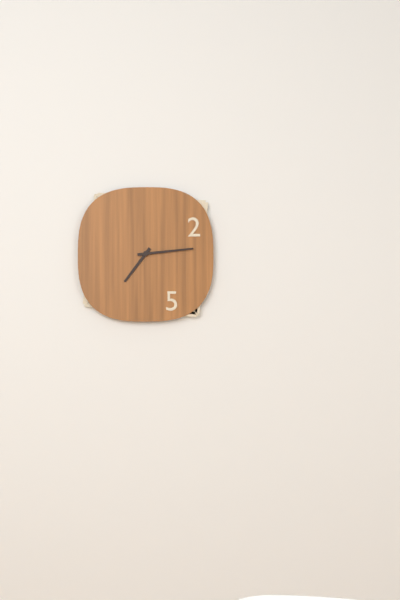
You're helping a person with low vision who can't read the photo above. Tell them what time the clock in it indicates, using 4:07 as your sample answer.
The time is 7:14
